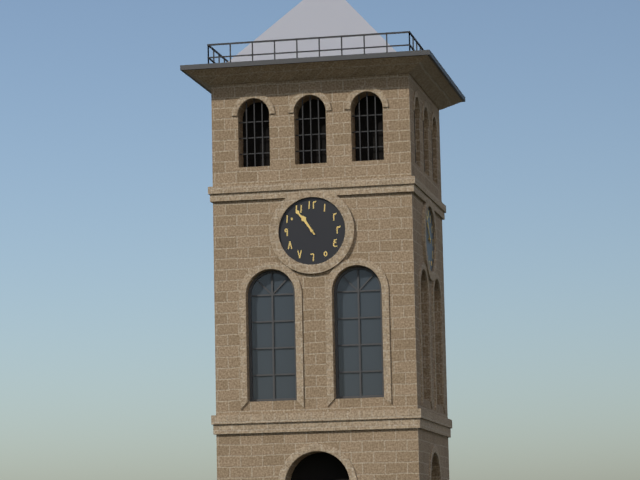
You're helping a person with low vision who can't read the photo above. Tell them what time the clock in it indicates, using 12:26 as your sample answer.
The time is 10:54
